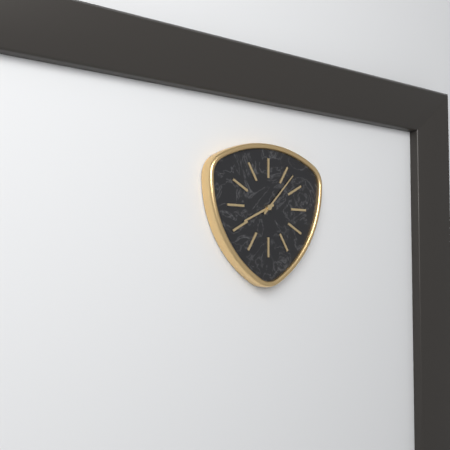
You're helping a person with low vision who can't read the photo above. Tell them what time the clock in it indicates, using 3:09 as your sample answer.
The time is 8:07
